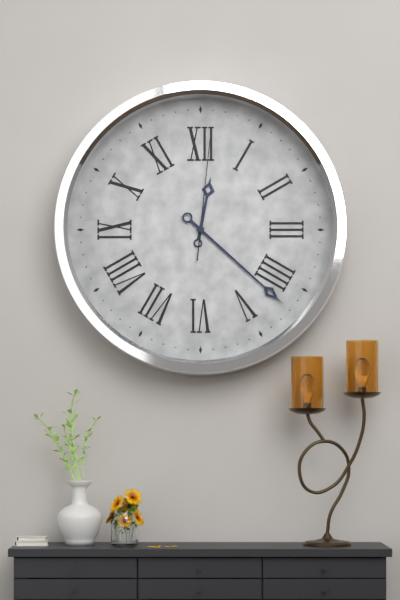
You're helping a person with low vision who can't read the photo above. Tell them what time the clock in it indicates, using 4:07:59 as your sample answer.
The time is 12:22:01
